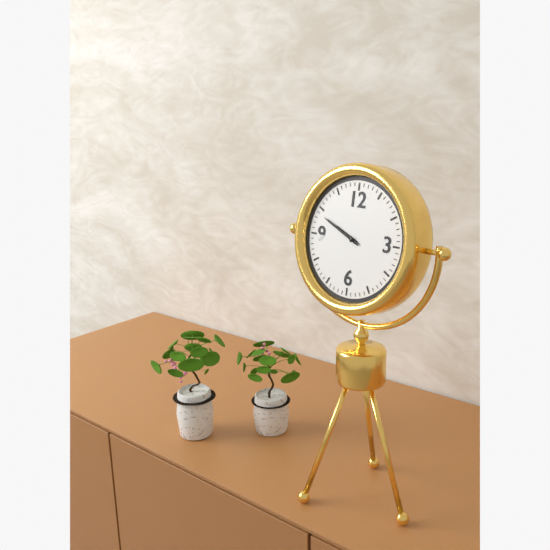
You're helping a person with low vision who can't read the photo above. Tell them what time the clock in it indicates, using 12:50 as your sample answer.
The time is 9:49
